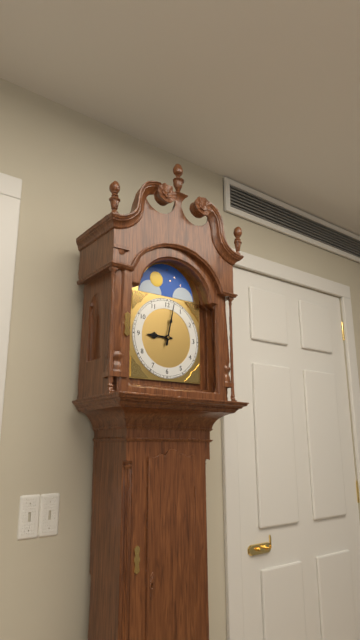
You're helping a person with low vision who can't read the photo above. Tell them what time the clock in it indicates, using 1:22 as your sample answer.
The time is 9:02
